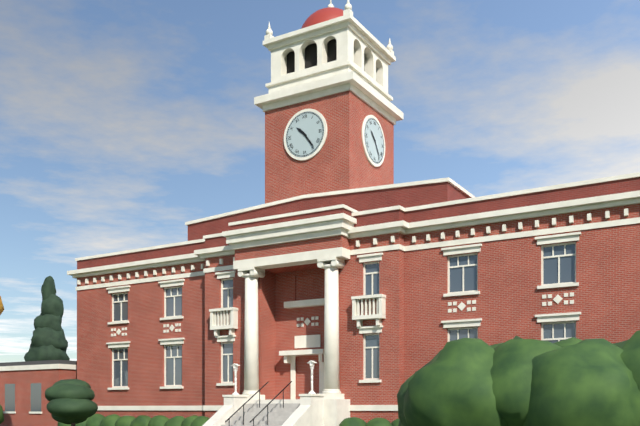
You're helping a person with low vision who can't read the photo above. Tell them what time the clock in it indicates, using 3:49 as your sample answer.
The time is 10:24
